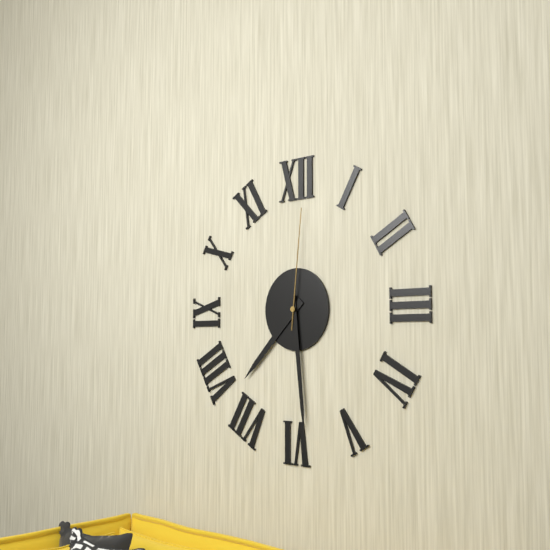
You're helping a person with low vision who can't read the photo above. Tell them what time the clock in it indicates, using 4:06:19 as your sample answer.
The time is 7:29:01
